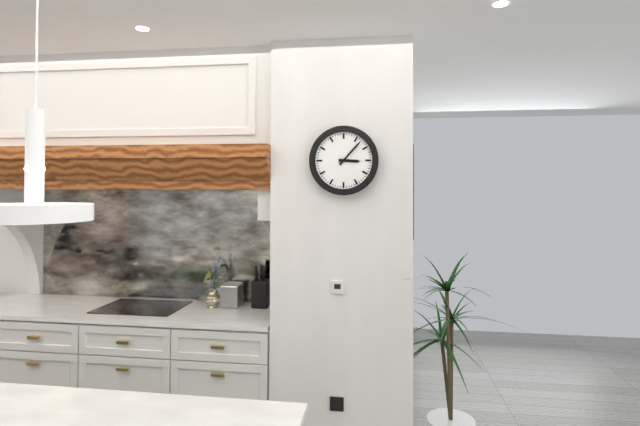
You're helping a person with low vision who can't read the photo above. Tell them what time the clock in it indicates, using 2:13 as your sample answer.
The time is 3:07
